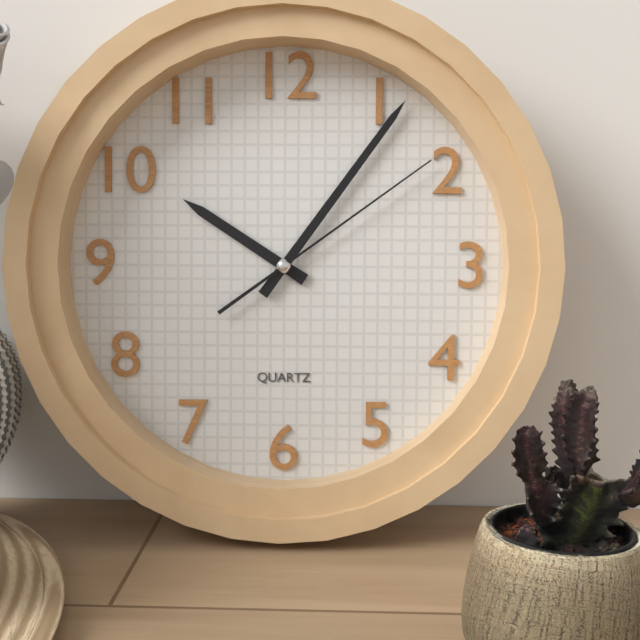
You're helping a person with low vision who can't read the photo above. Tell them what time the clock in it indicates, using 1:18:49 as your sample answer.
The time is 10:06:09
